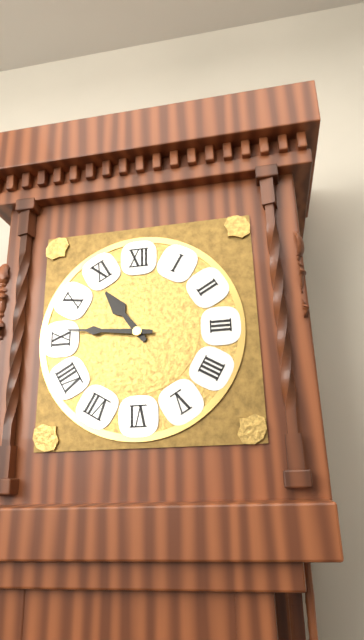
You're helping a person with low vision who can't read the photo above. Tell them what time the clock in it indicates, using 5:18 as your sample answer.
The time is 10:46
